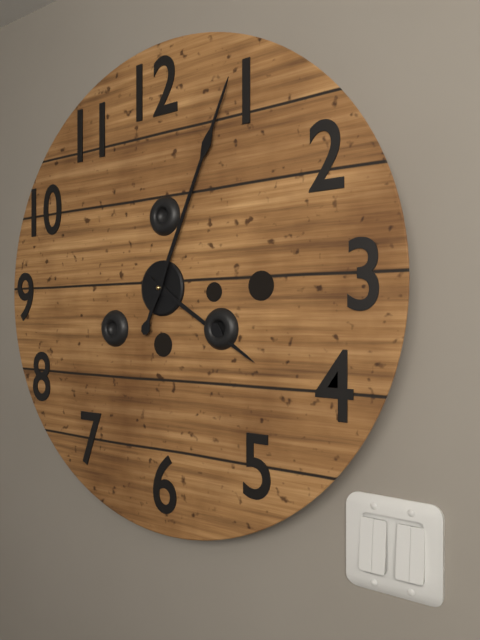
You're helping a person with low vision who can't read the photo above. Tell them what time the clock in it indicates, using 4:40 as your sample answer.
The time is 4:04
